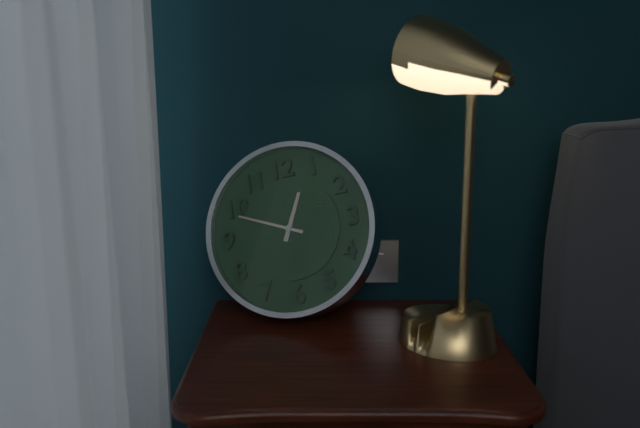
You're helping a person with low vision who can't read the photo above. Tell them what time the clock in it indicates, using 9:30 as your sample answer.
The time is 12:49
